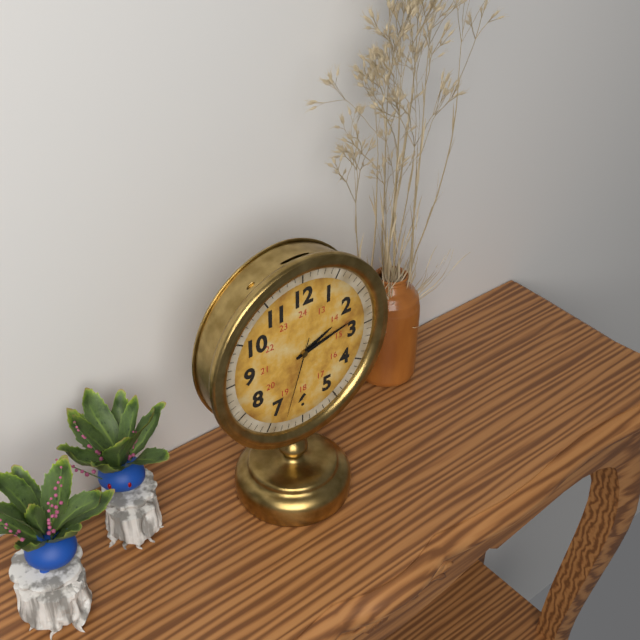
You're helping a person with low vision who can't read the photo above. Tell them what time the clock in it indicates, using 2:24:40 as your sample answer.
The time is 2:13:33
